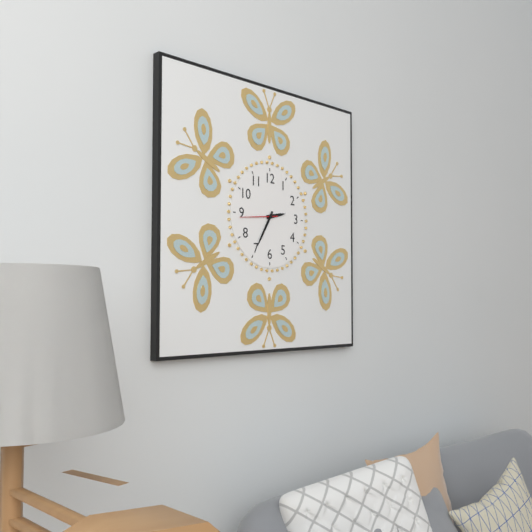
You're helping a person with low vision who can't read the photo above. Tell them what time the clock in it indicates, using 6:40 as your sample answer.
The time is 2:35
